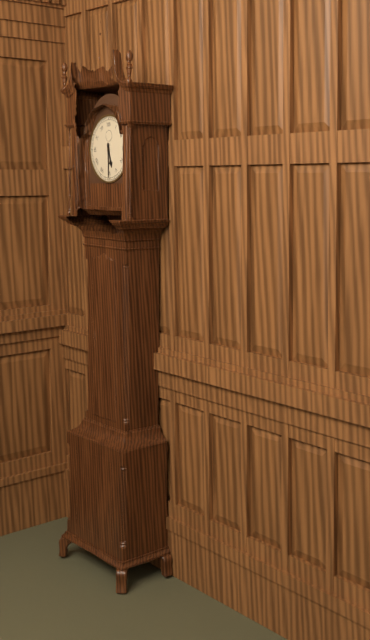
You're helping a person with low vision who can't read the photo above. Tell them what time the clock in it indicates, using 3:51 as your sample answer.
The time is 5:30
